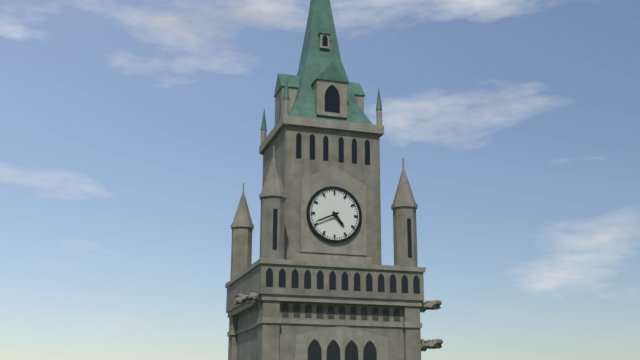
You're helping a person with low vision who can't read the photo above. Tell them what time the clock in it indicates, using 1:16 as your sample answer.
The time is 4:41
